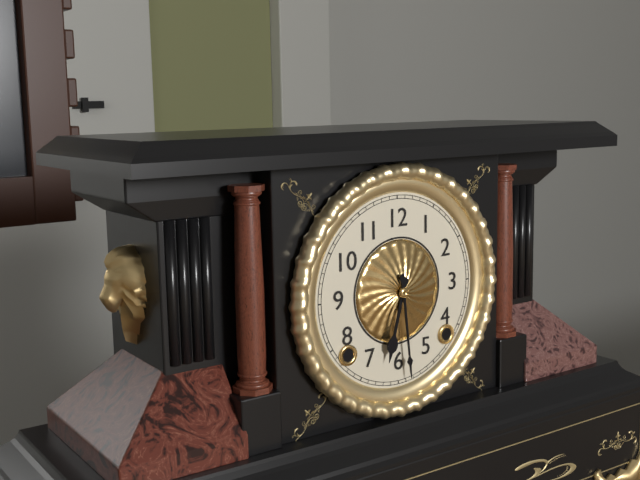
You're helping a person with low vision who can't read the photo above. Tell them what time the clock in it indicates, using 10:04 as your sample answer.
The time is 6:29
